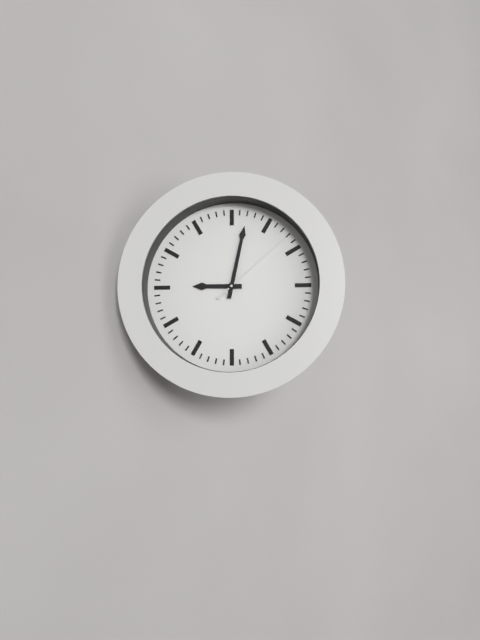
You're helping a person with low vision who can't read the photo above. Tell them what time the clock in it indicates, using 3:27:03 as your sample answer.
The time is 9:02:08
